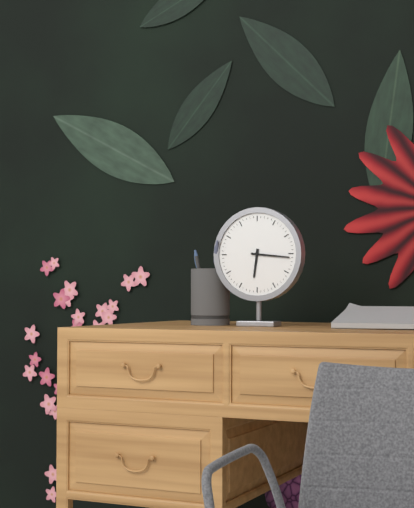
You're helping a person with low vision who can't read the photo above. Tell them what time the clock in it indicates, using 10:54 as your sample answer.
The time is 6:16
